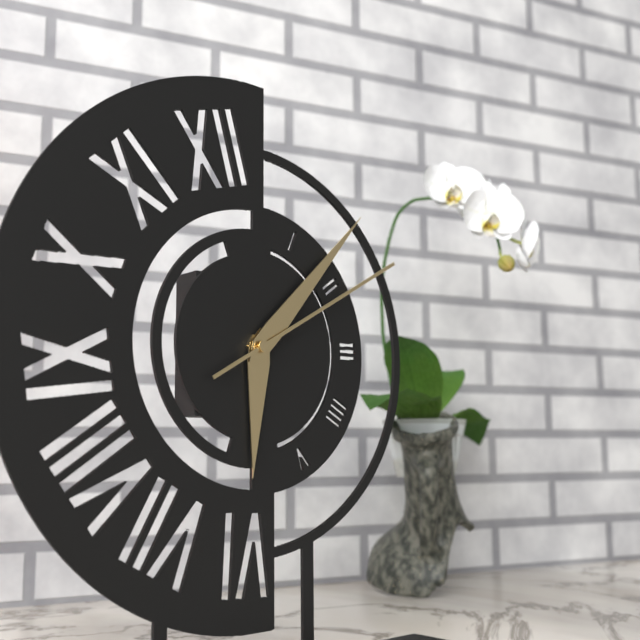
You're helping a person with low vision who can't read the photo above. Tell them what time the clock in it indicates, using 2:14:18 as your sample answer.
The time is 6:07:10
